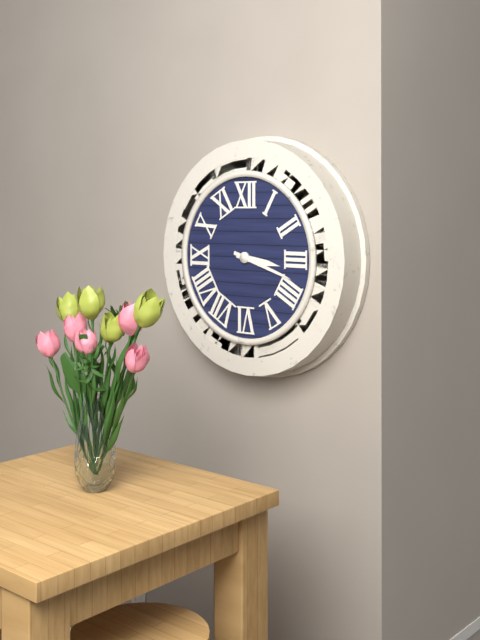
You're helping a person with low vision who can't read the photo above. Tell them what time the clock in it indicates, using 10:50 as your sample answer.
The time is 3:18
